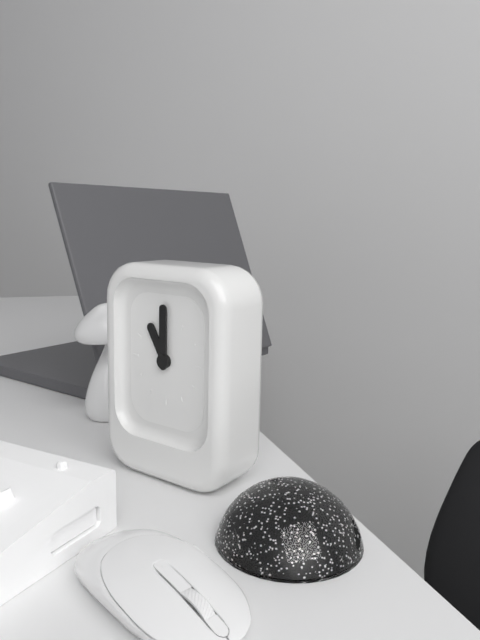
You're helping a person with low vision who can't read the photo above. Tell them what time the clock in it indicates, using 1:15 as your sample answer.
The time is 11:00
